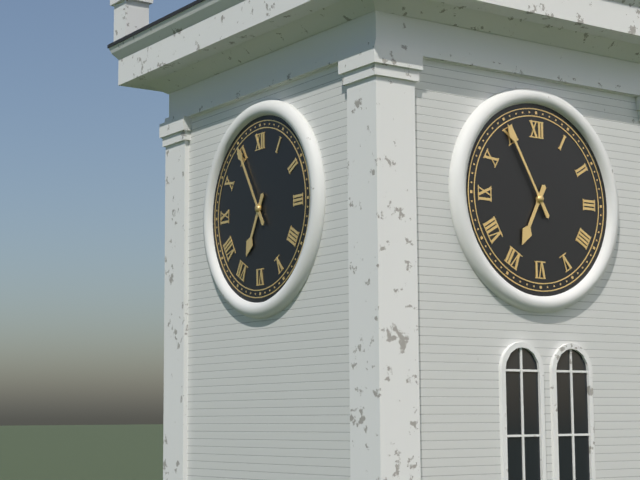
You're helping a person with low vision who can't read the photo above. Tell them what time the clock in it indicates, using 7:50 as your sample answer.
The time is 6:55
